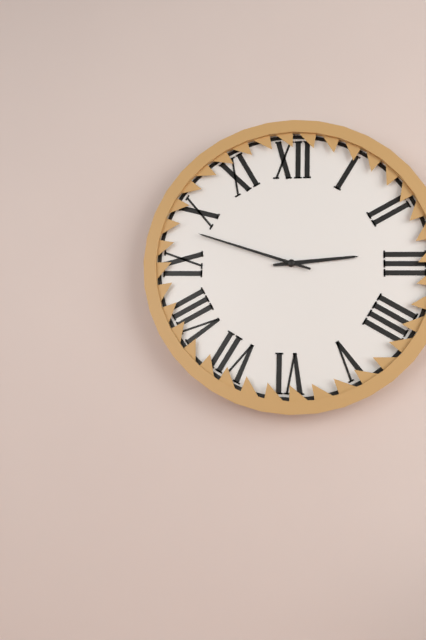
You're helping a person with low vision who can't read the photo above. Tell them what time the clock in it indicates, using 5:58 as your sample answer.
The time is 2:48
